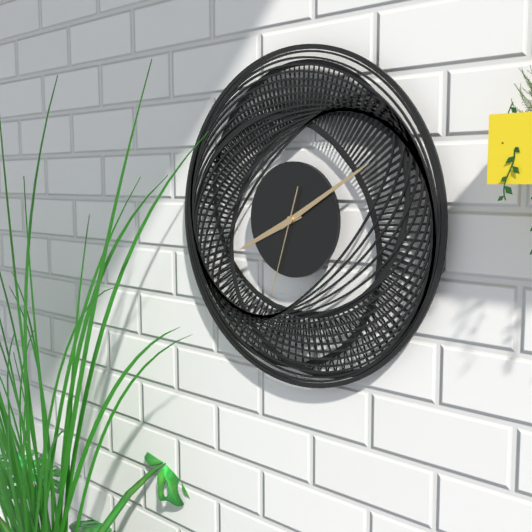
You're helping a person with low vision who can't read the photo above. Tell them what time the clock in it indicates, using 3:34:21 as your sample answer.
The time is 8:10:33
